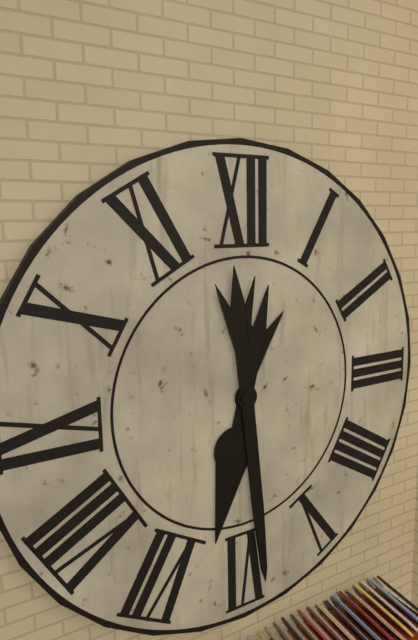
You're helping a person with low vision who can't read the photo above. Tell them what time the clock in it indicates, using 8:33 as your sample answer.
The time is 6:29
